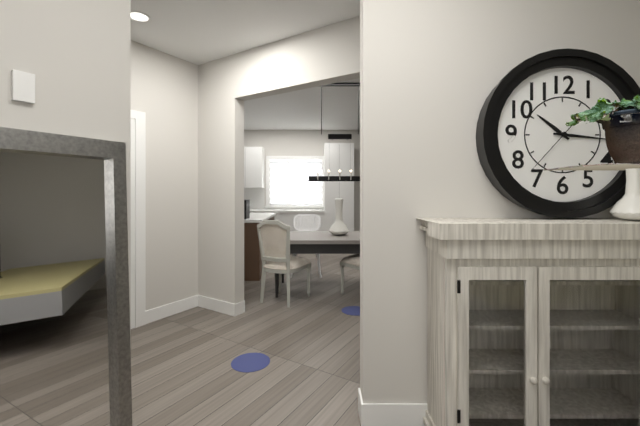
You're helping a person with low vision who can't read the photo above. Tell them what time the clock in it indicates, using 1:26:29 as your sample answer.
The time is 10:16:37
